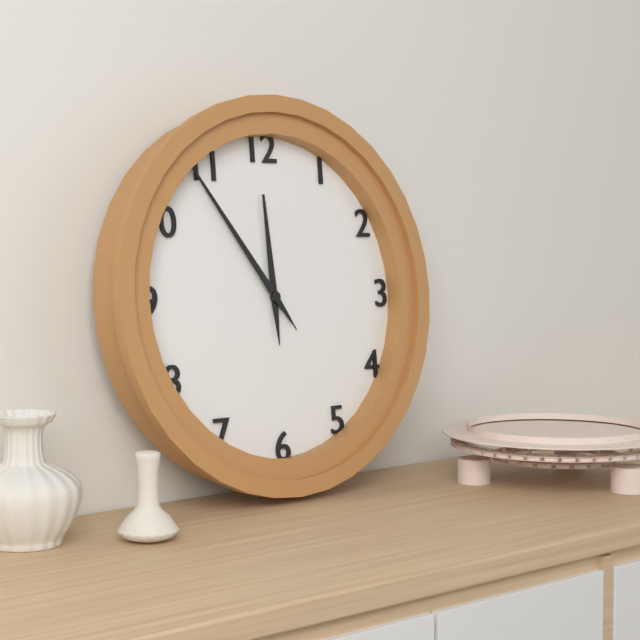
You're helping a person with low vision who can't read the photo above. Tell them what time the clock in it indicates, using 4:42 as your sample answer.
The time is 11:54
